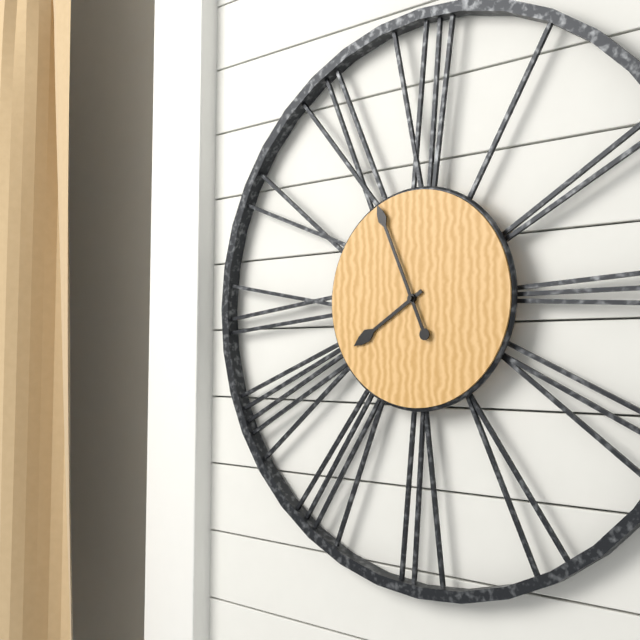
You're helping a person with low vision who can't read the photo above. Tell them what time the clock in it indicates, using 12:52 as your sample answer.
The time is 7:56
